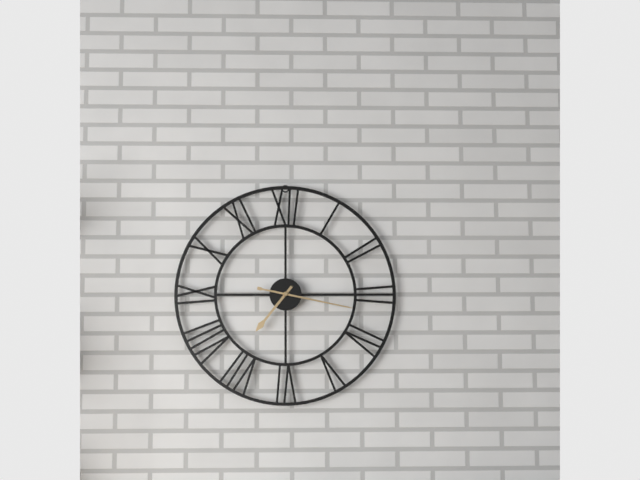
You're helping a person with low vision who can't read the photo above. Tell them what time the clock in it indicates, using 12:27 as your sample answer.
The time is 7:17
